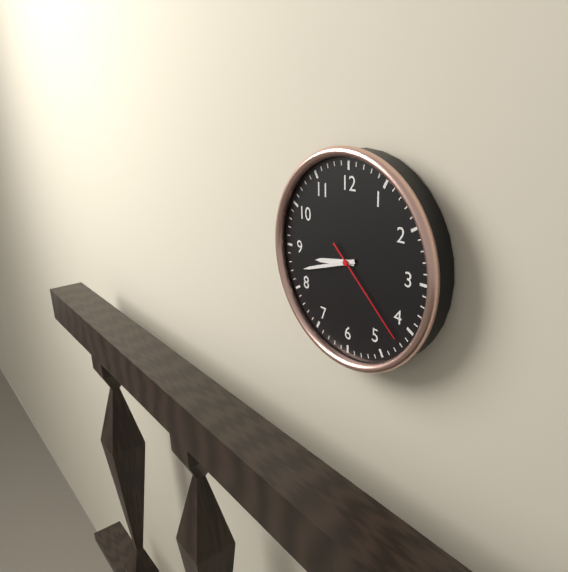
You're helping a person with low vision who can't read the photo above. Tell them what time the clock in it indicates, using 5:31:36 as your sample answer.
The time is 8:42:22
